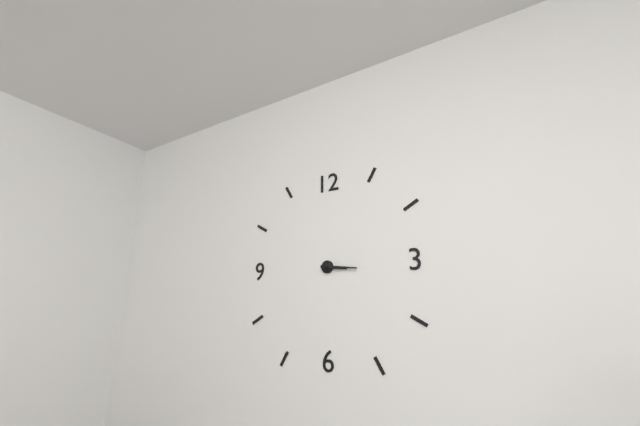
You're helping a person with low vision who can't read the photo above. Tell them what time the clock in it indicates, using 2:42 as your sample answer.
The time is 3:16
